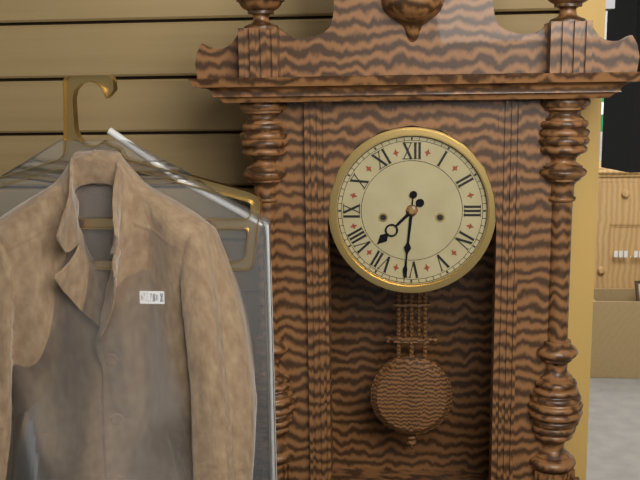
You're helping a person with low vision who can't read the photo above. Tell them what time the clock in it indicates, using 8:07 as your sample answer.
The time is 7:31
